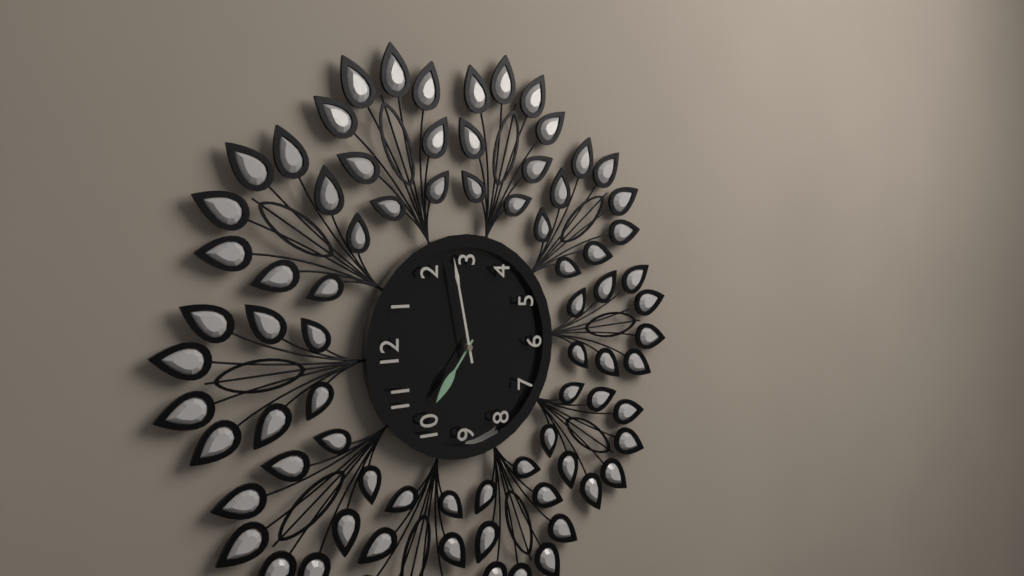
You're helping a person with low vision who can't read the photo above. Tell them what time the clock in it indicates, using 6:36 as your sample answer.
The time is 10:13
